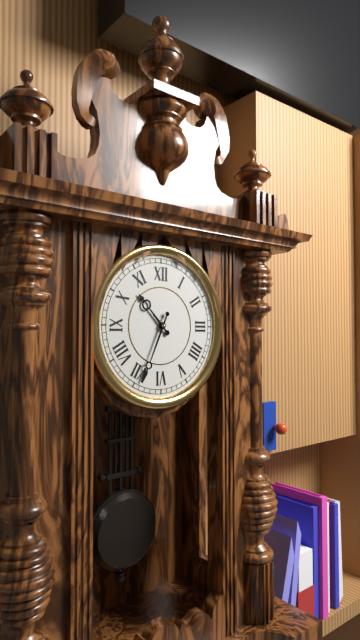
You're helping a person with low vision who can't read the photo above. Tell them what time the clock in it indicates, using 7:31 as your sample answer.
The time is 10:34
